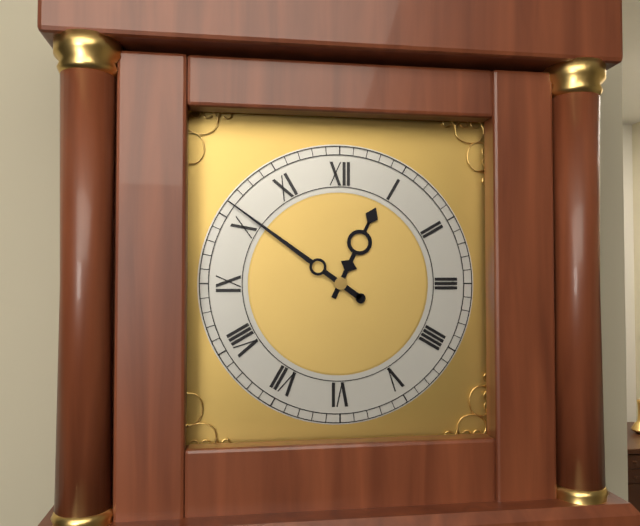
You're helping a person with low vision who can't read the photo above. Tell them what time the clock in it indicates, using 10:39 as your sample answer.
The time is 12:51
